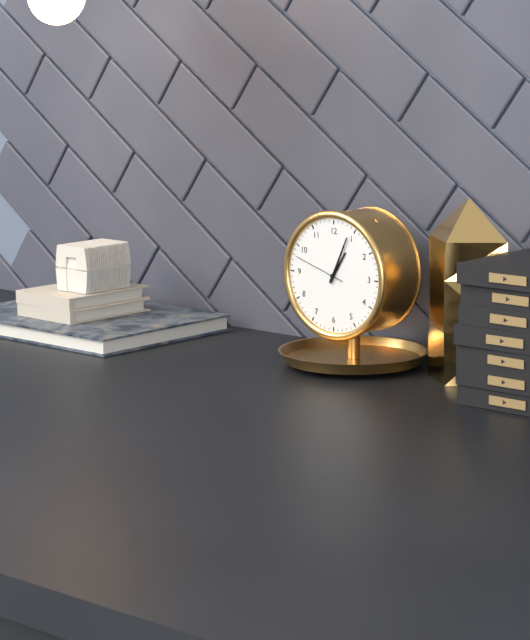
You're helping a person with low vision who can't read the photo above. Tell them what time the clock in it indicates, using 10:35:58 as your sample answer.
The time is 1:04:48
